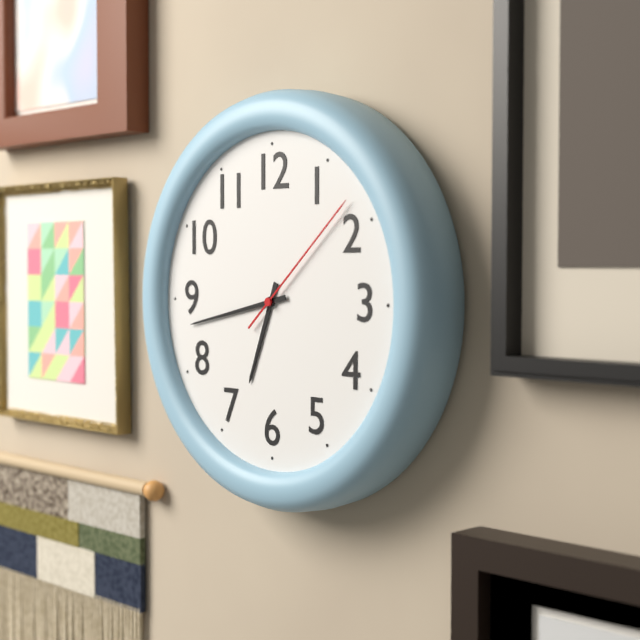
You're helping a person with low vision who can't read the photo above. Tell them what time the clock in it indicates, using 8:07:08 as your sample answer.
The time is 6:43:08
